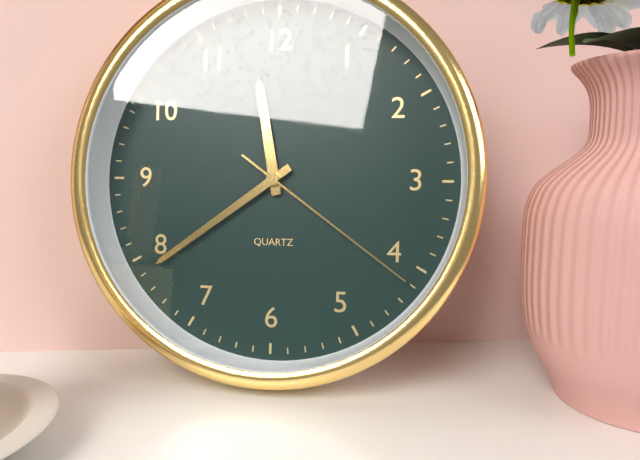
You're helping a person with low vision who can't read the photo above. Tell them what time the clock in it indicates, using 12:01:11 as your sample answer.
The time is 11:39:21
